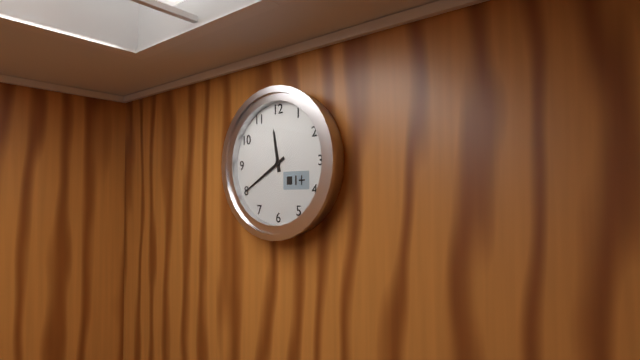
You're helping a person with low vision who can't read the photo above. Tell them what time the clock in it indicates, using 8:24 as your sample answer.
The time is 11:40
